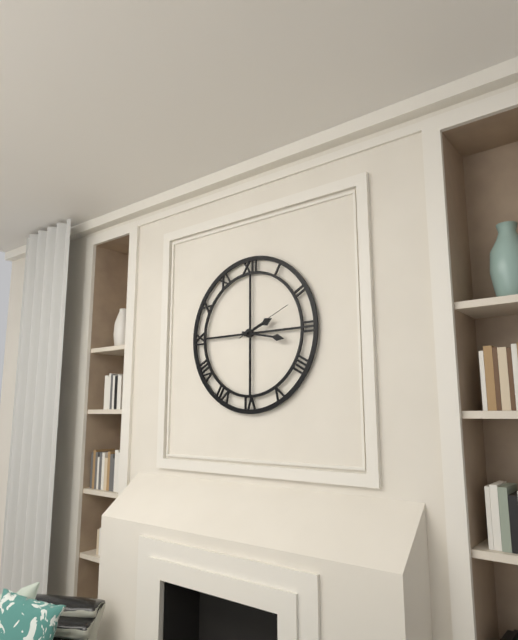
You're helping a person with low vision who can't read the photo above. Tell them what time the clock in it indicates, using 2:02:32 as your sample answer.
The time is 2:17:11
